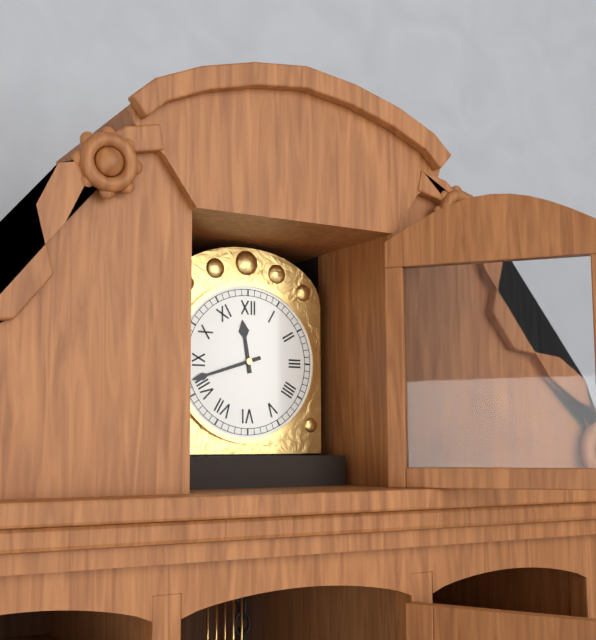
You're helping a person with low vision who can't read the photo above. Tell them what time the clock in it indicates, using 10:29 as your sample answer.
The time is 11:42
